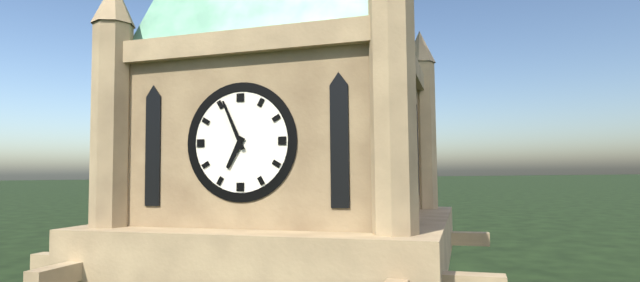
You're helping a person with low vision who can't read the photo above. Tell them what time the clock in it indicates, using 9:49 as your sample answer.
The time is 6:56
